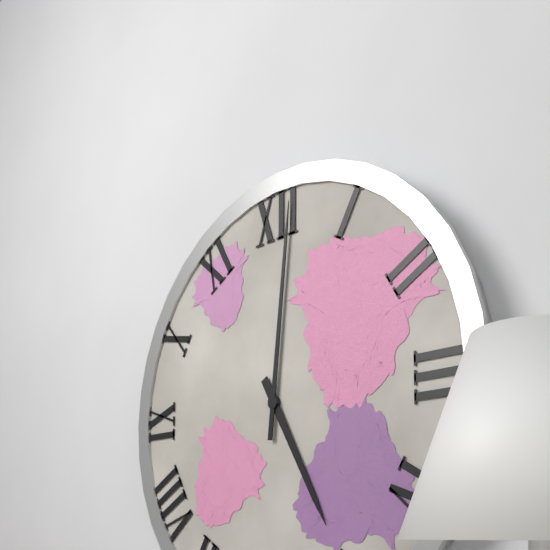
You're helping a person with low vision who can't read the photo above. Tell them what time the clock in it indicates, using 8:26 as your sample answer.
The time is 5:01
